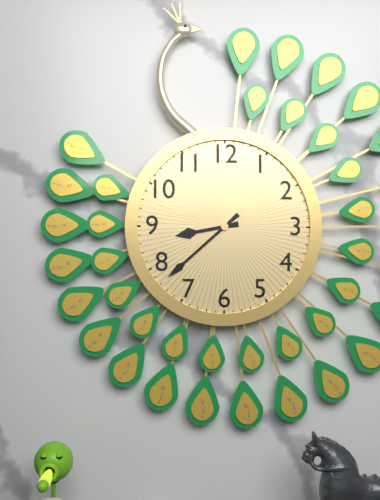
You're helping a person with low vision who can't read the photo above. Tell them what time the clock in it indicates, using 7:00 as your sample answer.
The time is 8:38
